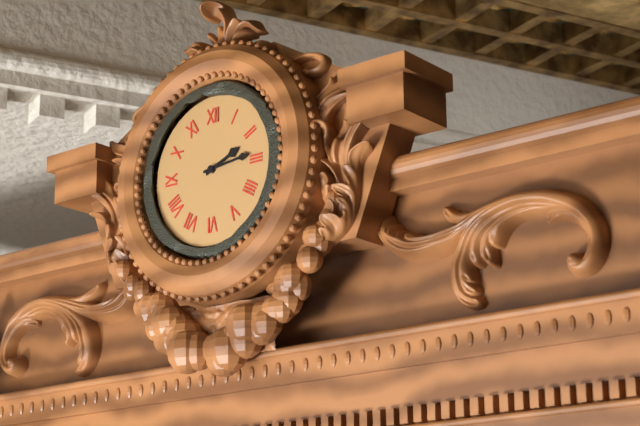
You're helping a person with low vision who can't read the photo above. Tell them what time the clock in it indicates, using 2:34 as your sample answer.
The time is 2:14
